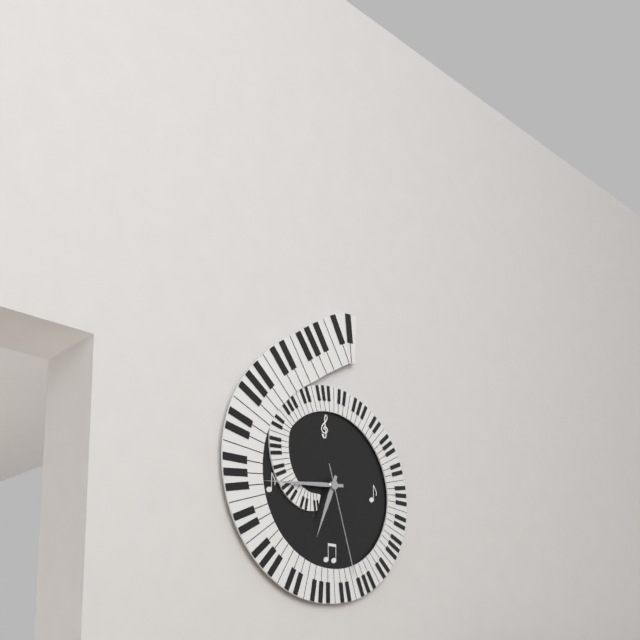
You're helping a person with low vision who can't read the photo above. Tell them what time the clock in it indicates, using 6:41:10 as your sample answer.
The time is 6:44:27
